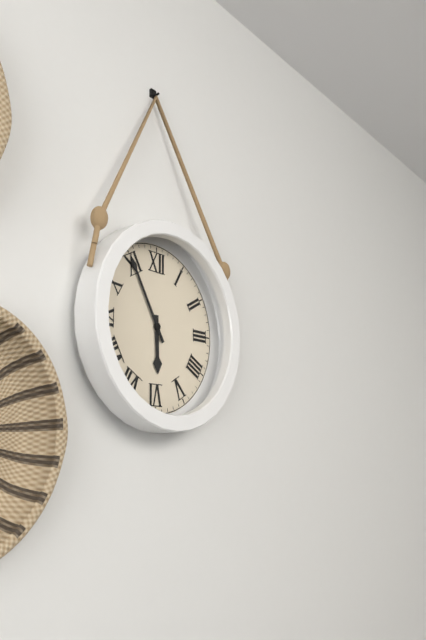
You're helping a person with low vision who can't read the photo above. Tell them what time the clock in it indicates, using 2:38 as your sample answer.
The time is 5:55
